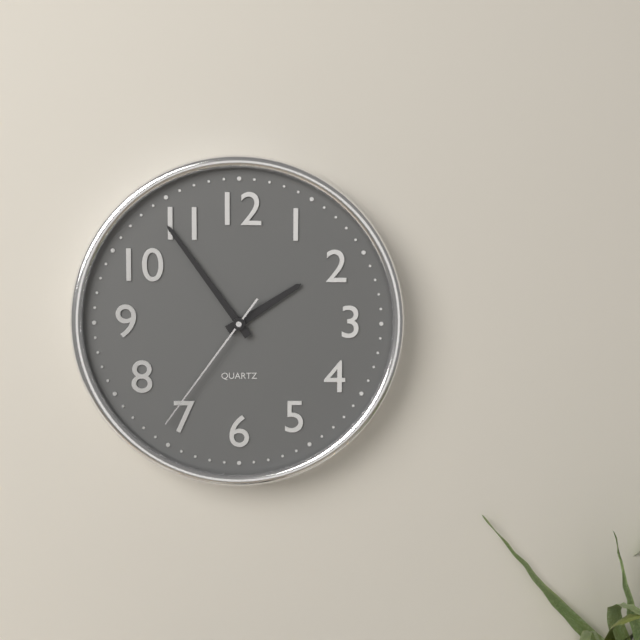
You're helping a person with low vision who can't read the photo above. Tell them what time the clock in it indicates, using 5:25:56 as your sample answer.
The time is 1:54:36
